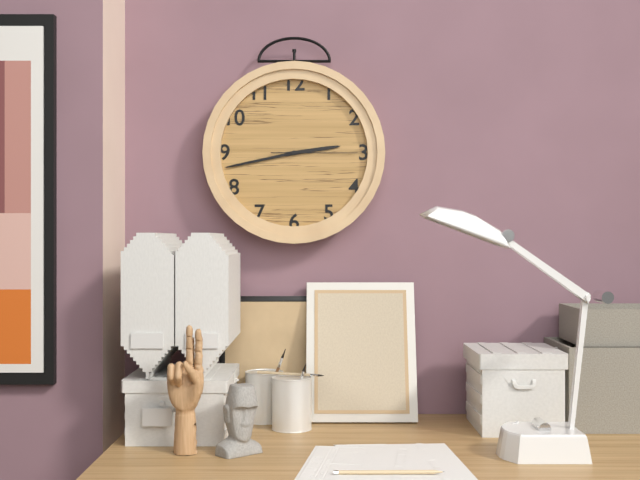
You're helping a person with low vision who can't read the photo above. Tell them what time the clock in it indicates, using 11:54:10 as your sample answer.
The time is 2:43:15
